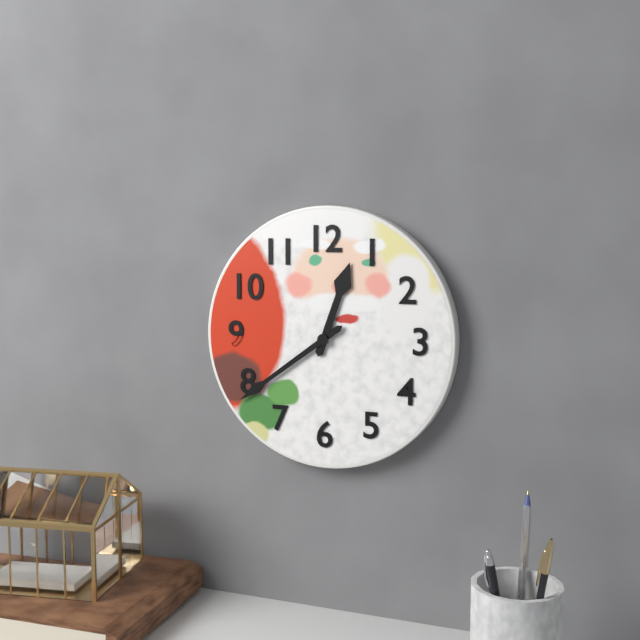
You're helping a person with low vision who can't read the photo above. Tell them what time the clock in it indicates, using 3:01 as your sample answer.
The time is 12:39
